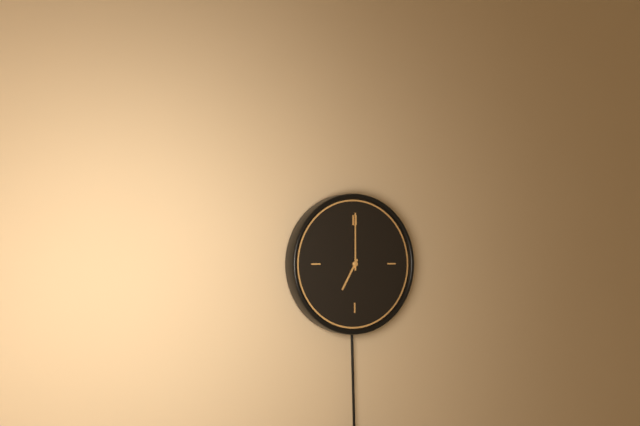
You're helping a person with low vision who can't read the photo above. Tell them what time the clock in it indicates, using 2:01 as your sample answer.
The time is 7:00
